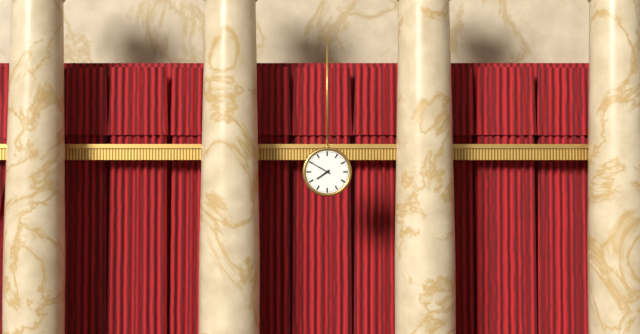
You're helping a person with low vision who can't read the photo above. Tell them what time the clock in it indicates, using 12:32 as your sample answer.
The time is 7:50
